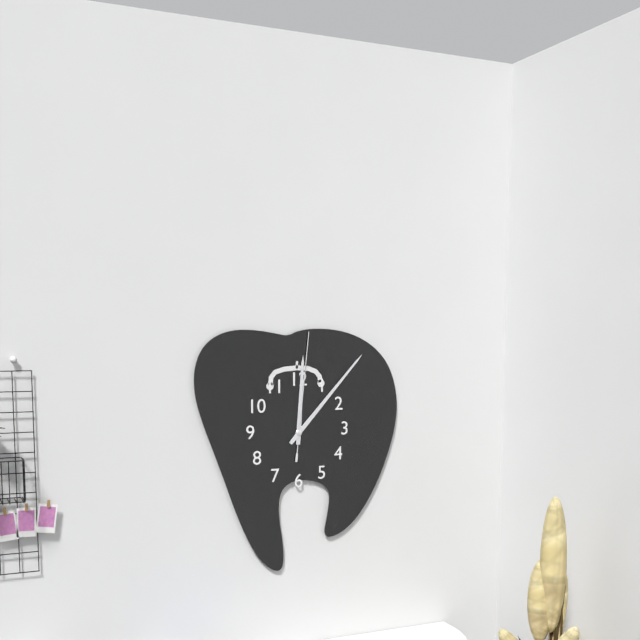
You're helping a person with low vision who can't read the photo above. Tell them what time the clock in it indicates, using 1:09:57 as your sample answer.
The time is 12:07:01
